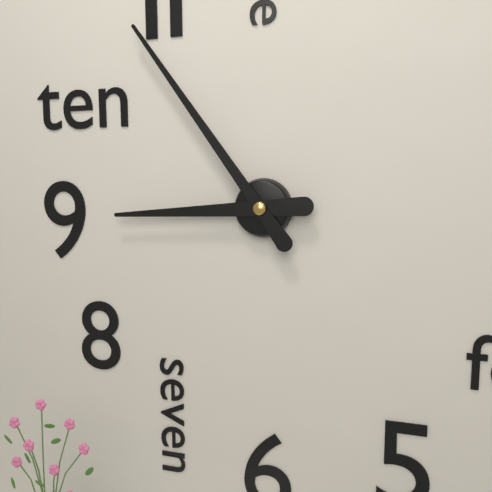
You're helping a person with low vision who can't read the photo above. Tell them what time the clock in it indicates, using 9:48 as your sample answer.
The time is 8:54
